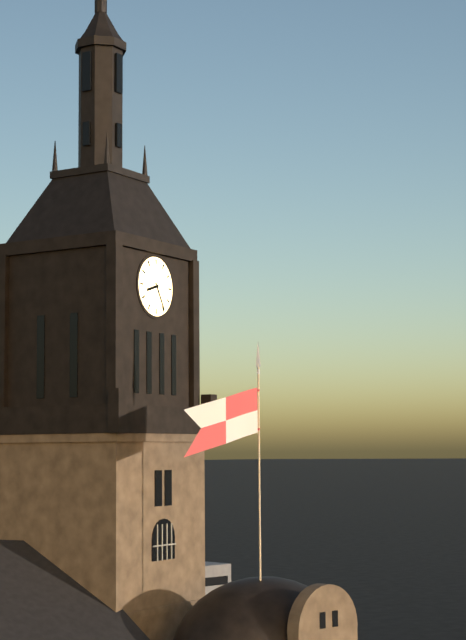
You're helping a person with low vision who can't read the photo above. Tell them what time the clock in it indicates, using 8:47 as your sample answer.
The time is 8:25
